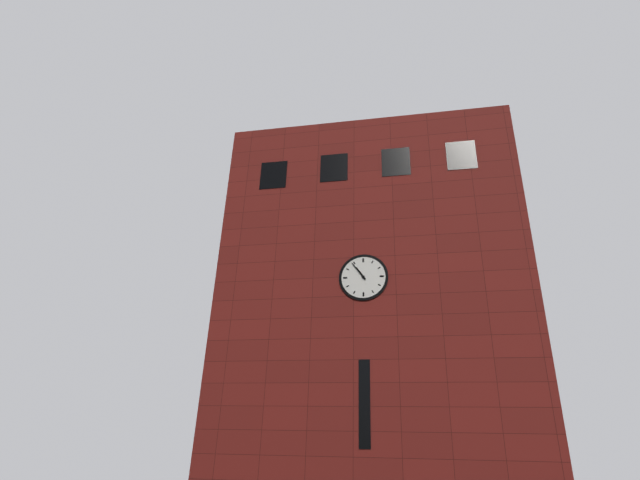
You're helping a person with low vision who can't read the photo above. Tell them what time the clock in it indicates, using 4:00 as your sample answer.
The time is 10:54
